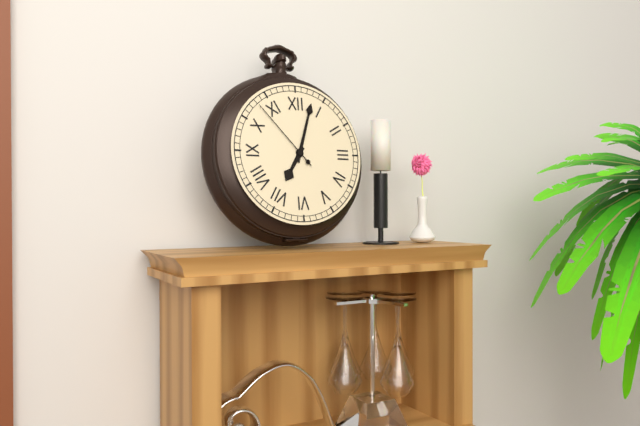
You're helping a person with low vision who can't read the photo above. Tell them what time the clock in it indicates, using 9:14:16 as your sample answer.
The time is 7:03:53
